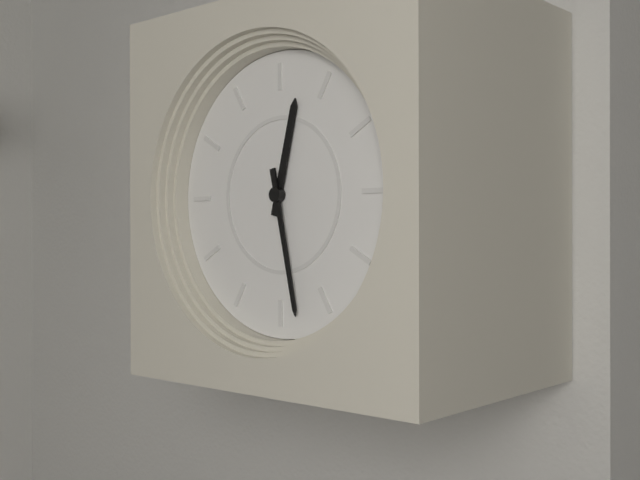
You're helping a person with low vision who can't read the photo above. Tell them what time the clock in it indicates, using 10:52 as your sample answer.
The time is 12:28
